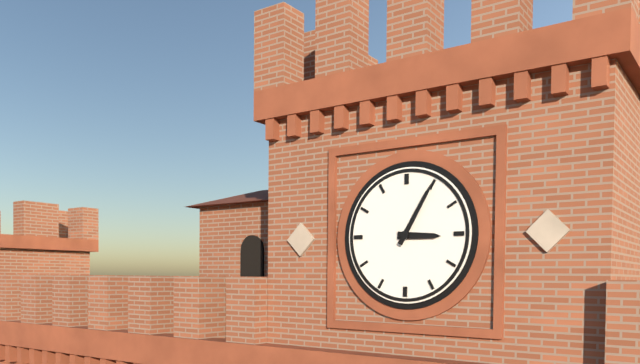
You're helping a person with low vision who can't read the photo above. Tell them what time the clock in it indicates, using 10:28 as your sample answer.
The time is 3:05
